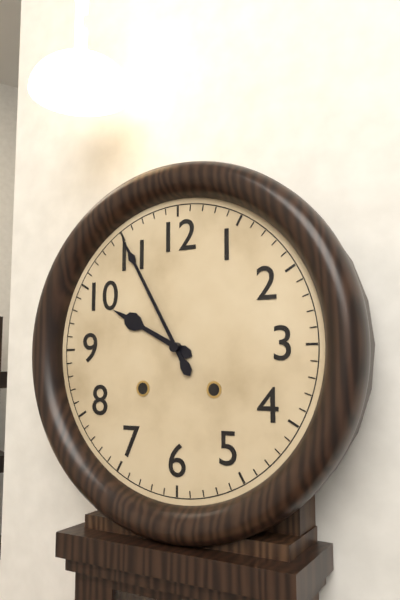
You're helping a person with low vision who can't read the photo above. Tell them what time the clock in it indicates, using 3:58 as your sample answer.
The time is 9:55
